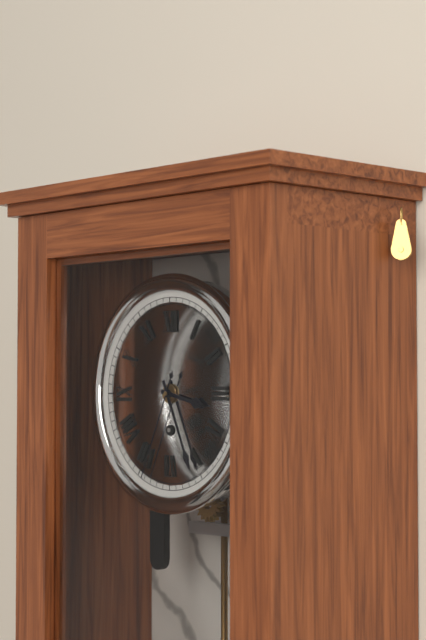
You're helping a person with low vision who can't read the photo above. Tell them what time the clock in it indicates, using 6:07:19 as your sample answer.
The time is 3:26:34
